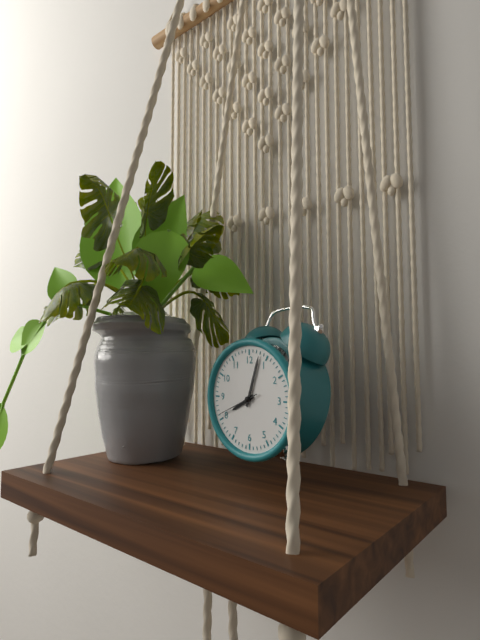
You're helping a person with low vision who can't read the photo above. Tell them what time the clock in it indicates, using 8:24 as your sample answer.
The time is 8:03
